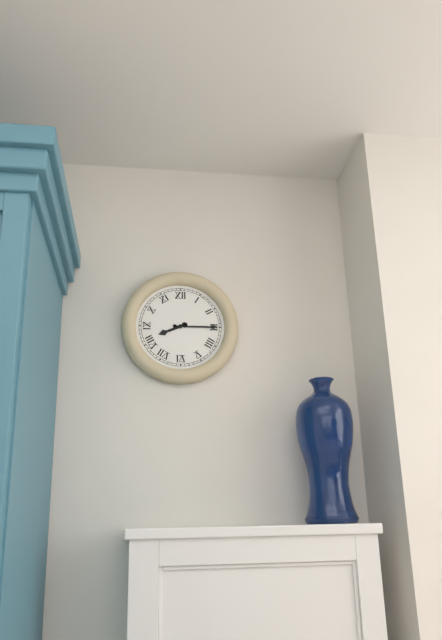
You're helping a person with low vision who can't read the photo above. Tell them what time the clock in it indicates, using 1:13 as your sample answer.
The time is 8:15
